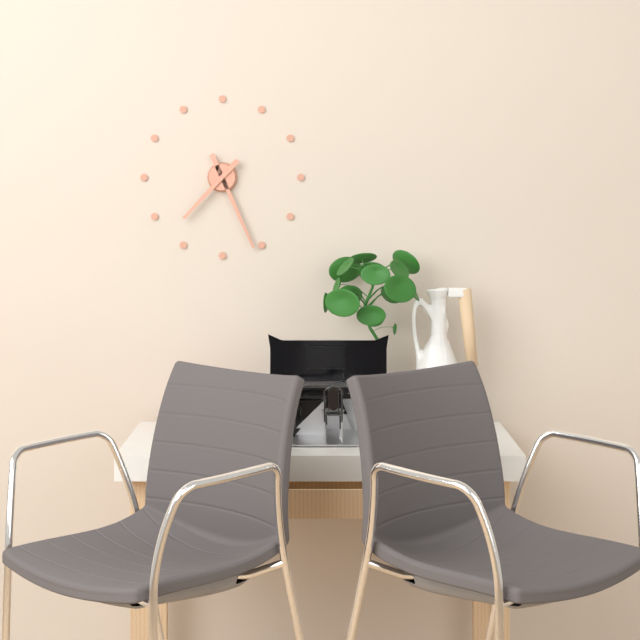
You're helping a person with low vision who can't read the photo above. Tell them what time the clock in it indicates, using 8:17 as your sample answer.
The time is 7:26
